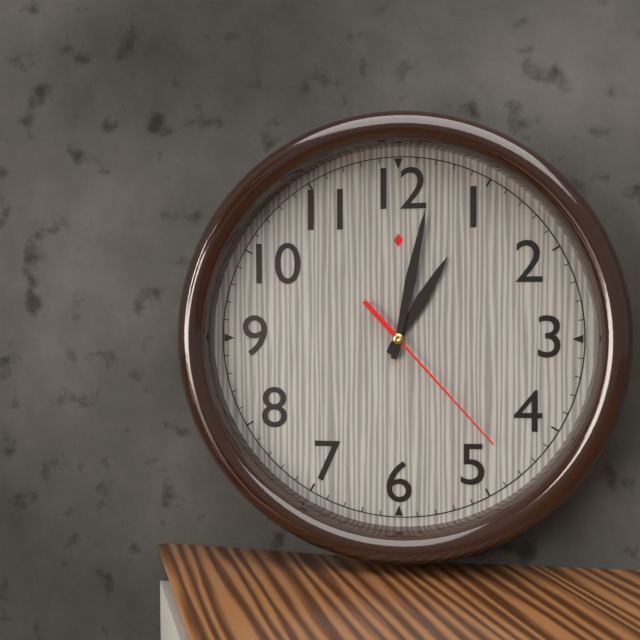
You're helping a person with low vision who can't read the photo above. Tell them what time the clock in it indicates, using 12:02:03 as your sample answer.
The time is 1:02:23
